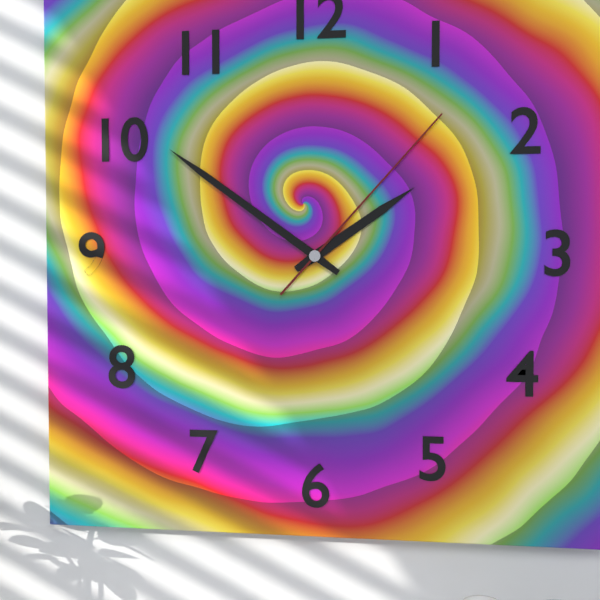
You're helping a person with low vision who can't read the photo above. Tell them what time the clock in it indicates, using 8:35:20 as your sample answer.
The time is 1:51:07
